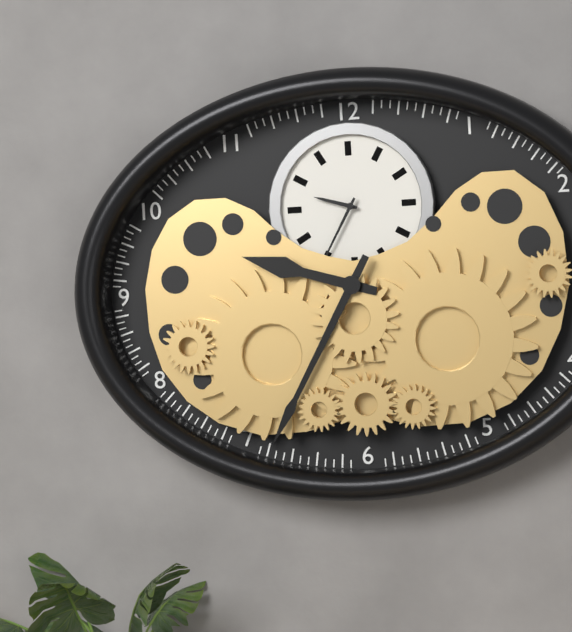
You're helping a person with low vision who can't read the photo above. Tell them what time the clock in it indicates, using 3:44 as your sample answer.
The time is 9:35
